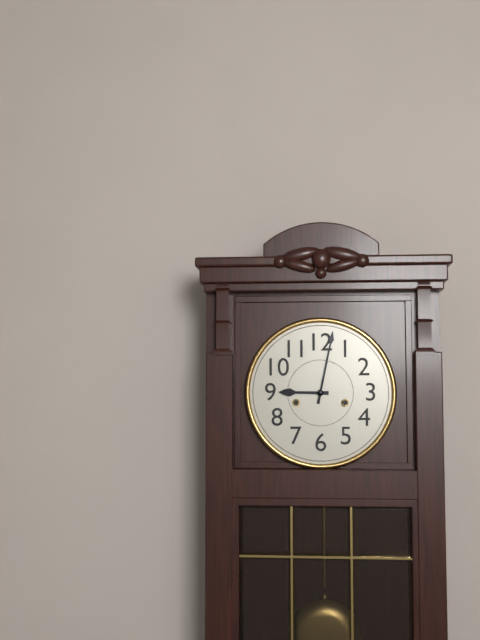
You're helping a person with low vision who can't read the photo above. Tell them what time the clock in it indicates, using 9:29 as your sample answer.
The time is 9:02
